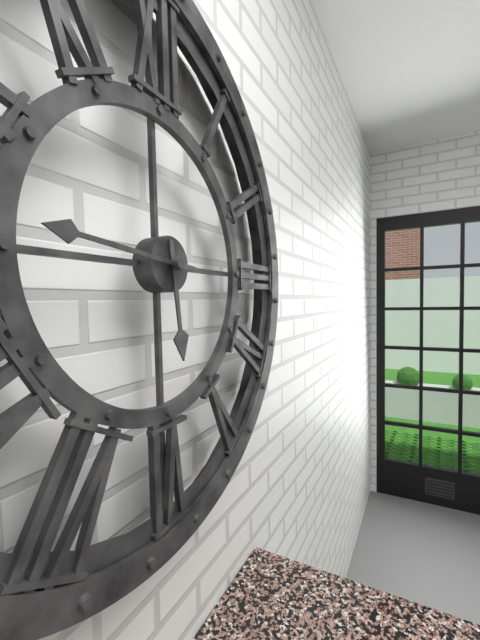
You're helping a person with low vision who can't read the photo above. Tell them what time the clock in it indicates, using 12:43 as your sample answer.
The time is 5:46
